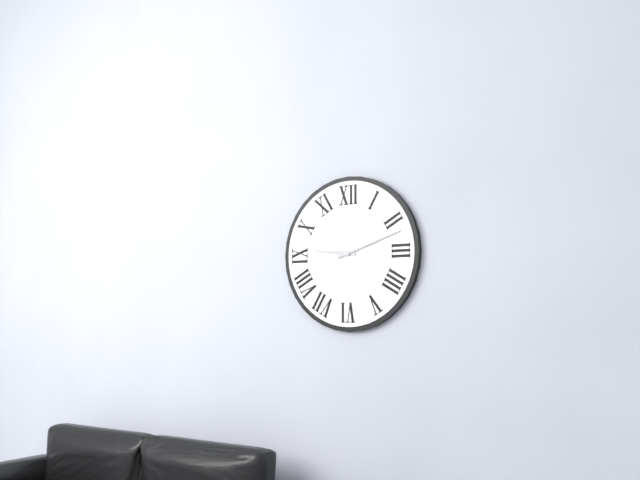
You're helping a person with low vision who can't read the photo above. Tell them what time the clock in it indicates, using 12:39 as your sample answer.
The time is 9:12
